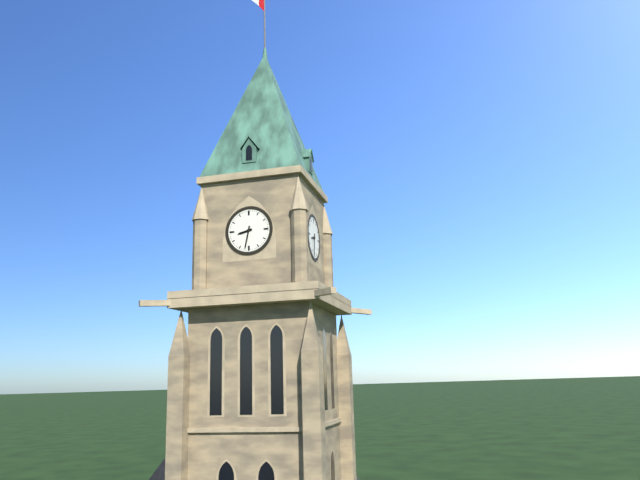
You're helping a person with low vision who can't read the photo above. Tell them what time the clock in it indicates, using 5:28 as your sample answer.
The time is 8:32
